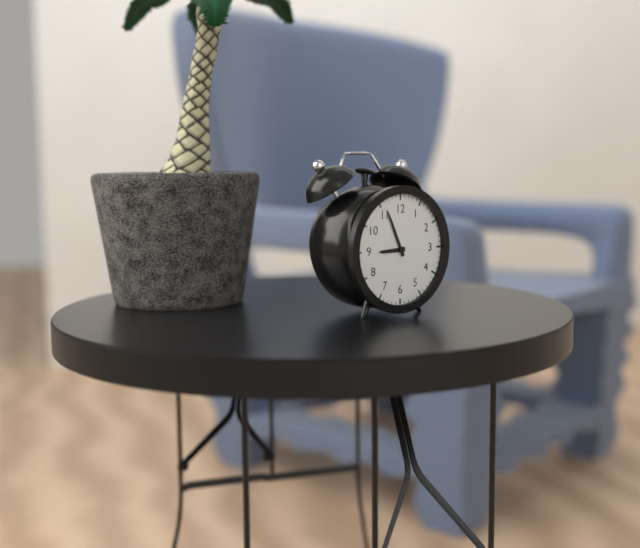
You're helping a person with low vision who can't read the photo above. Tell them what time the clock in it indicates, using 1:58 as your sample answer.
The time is 8:56
